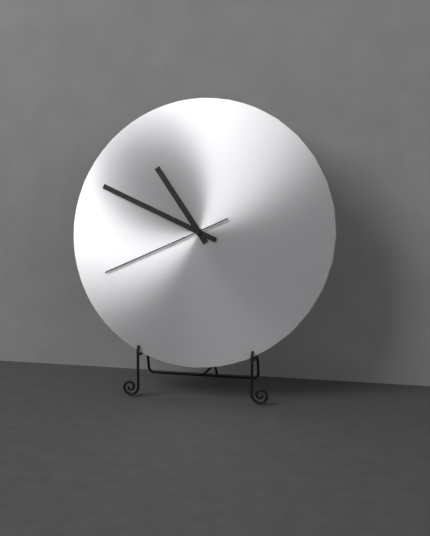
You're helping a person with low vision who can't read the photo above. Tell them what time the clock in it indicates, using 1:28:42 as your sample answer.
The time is 10:49:41
